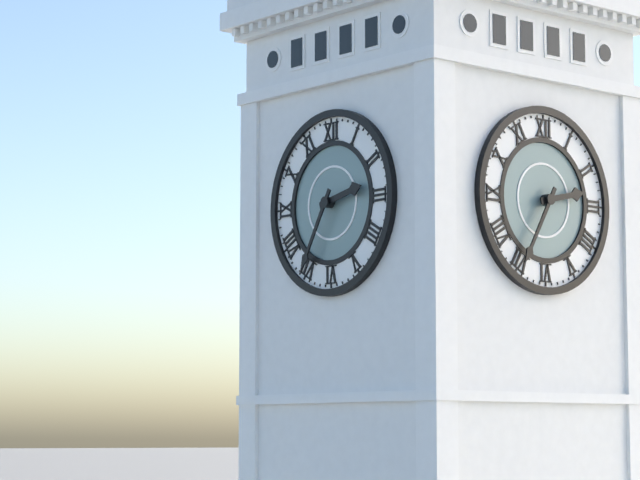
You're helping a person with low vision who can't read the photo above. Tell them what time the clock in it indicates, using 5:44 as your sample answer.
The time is 2:35
